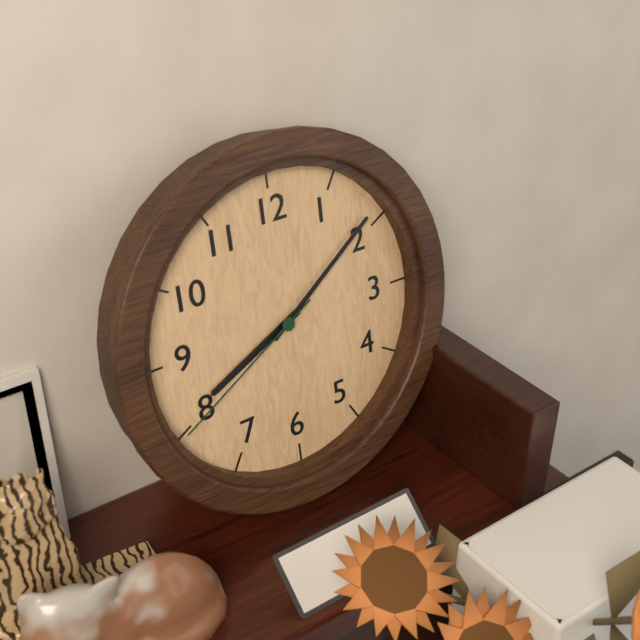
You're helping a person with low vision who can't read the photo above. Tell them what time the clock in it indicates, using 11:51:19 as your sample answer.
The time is 8:09:40
